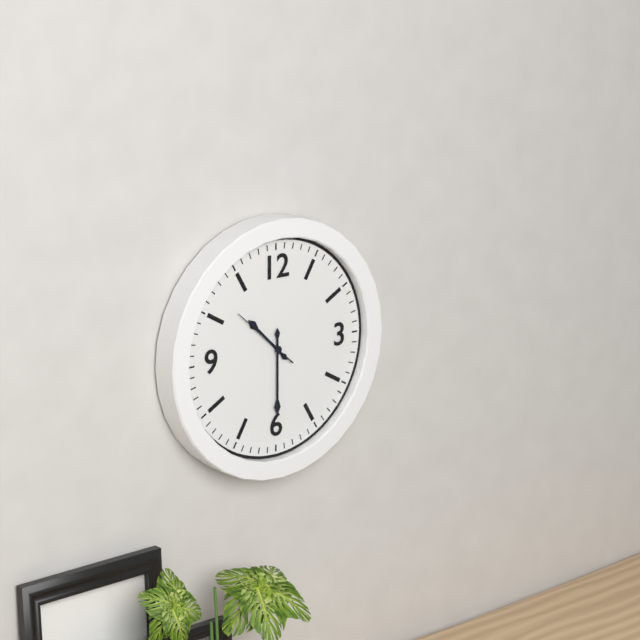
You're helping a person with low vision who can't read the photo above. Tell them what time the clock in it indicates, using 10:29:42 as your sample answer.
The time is 10:30:52
